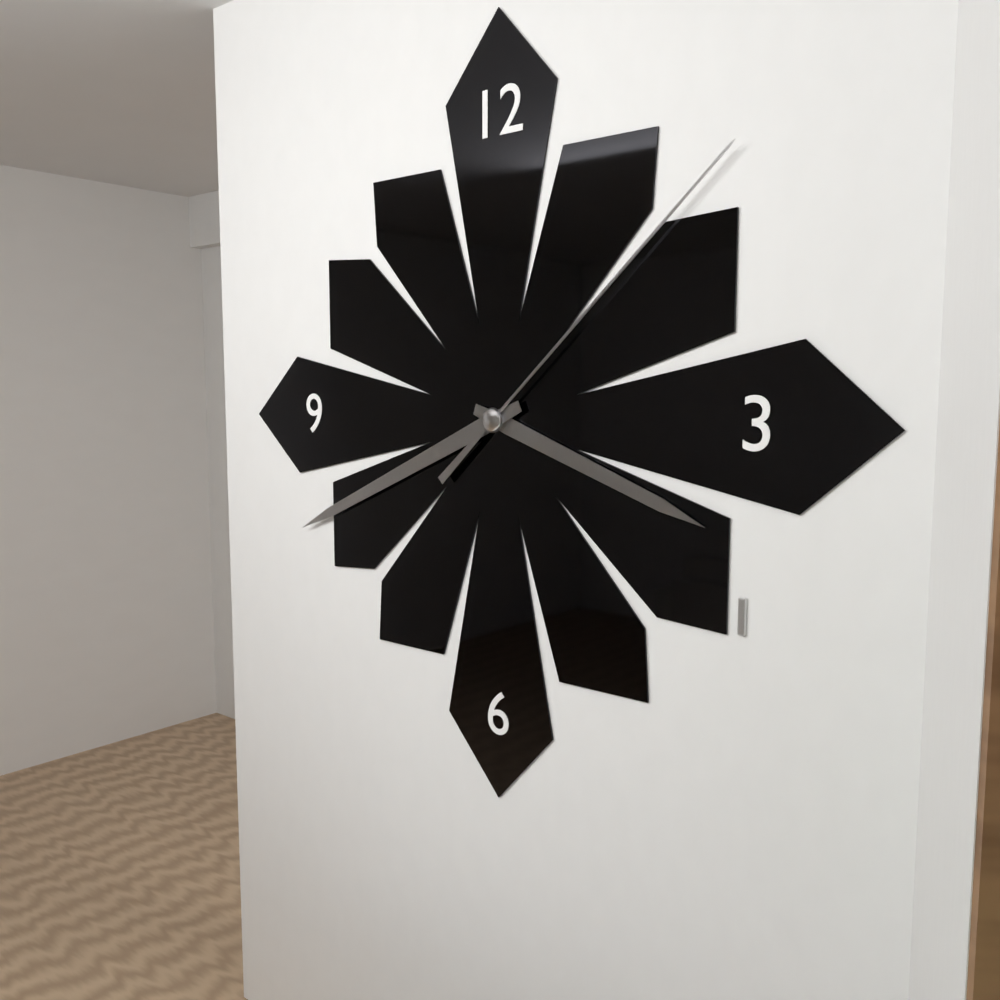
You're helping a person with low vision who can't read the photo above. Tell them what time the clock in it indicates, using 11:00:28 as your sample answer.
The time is 3:41:08
